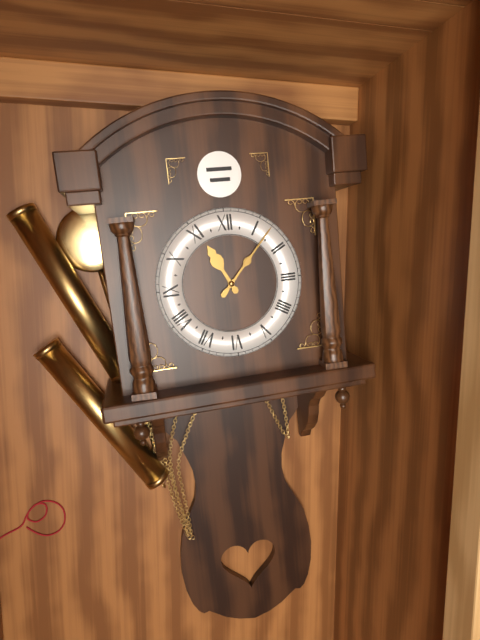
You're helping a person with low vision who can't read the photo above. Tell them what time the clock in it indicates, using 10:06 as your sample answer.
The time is 11:07
